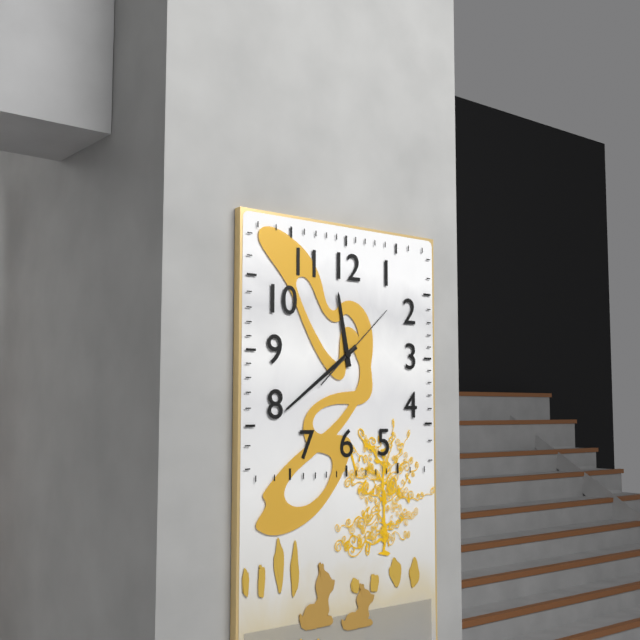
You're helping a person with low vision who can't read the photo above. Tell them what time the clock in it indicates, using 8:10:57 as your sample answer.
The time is 11:39:08
